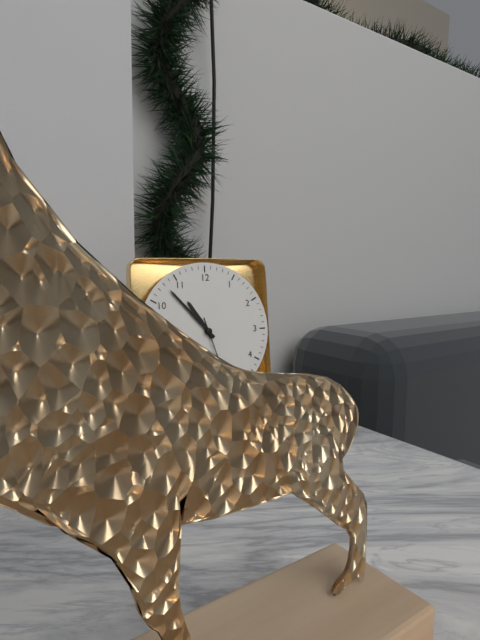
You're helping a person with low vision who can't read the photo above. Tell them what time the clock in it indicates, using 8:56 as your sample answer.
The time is 10:53
